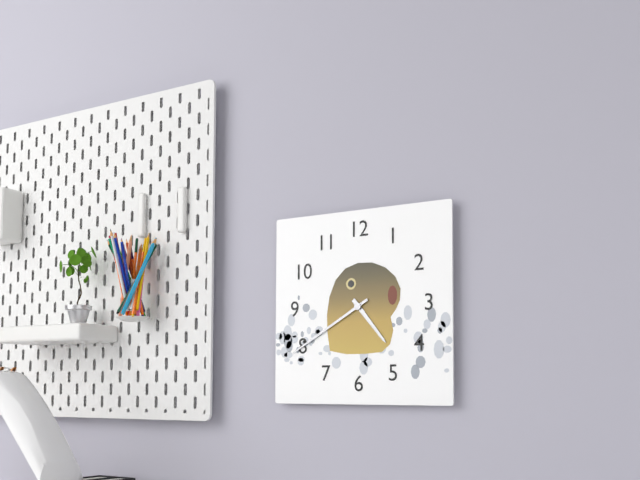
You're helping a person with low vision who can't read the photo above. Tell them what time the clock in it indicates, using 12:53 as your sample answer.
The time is 4:40
